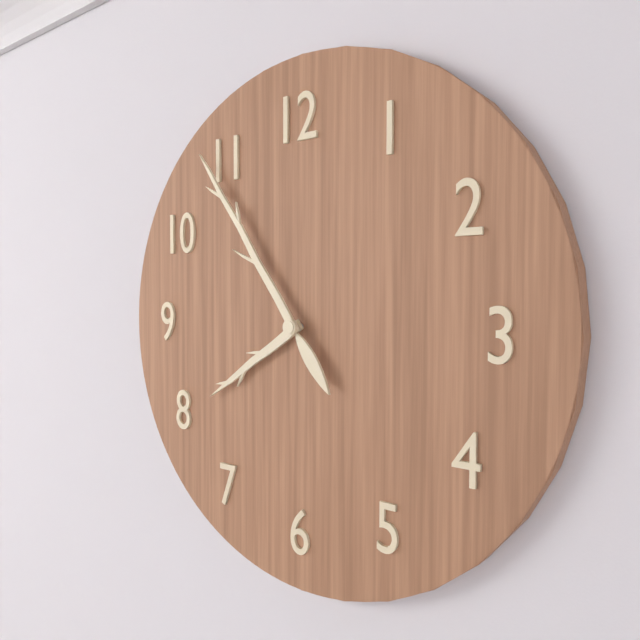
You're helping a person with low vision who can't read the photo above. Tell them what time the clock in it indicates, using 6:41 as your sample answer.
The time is 7:54
